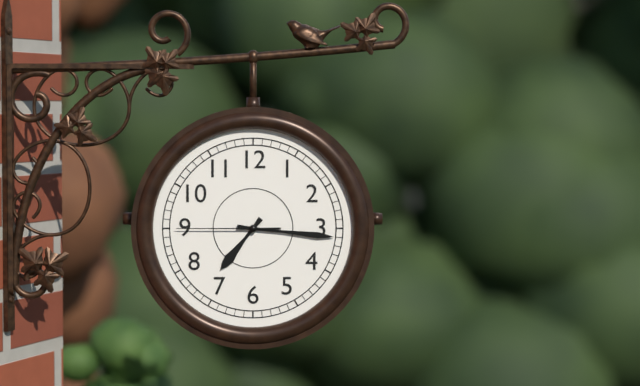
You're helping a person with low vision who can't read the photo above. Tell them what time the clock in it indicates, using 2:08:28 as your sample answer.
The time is 7:16:45
